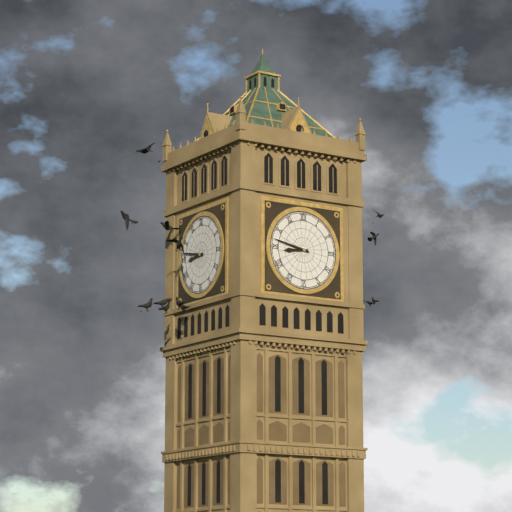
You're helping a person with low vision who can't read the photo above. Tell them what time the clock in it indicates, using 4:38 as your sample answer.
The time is 8:47
